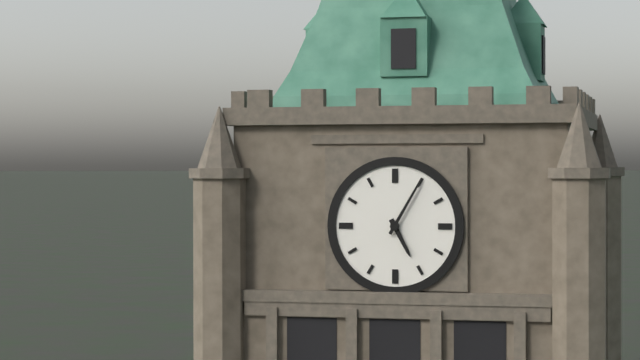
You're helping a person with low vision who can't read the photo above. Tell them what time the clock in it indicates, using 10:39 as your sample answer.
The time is 5:05
